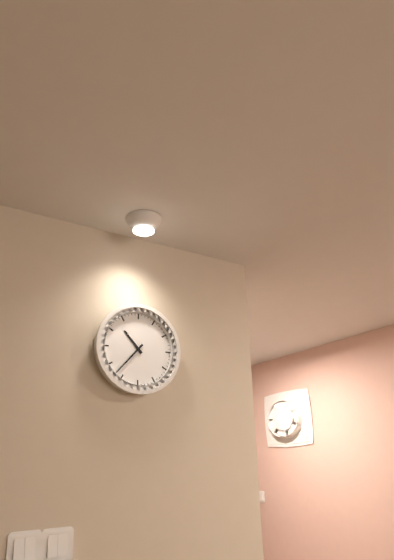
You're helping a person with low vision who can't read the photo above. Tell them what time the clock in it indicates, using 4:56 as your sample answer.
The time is 10:37
